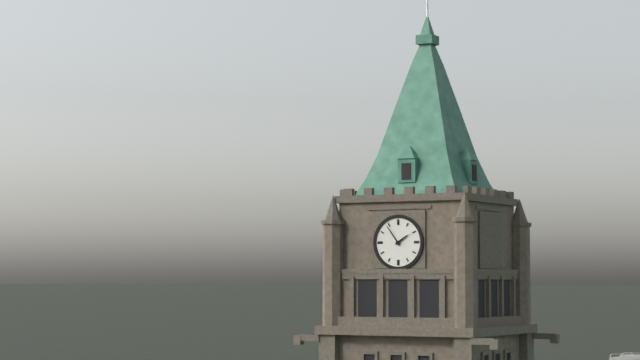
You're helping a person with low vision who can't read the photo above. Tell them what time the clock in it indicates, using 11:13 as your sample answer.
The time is 1:54
